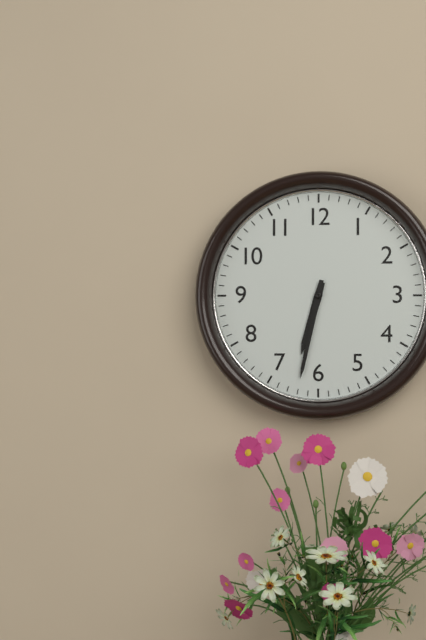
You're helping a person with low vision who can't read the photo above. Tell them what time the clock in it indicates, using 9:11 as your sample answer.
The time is 6:32
